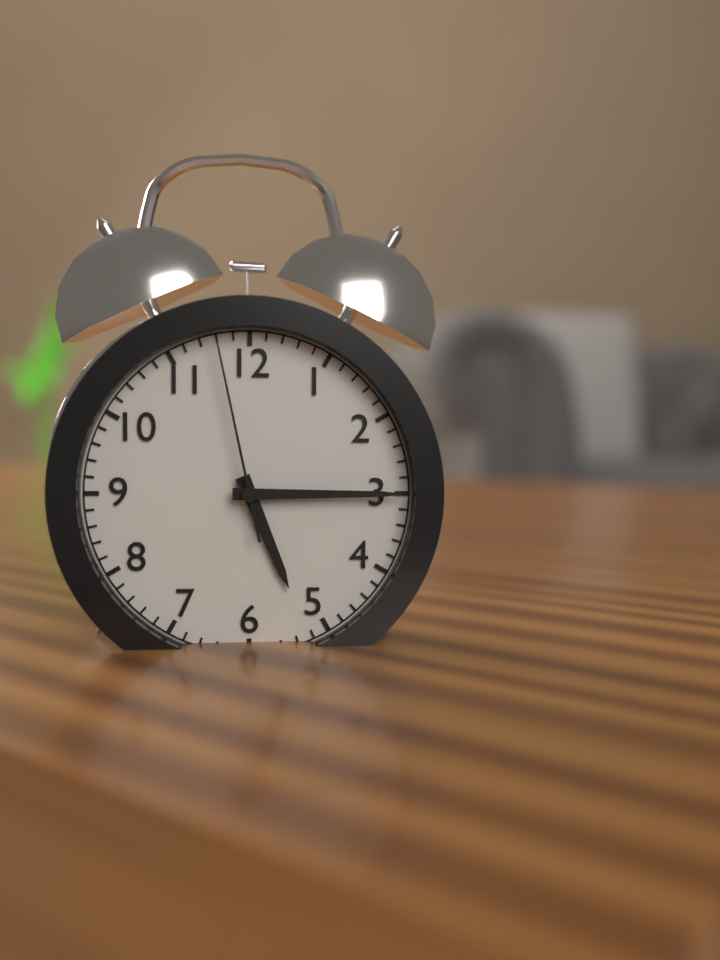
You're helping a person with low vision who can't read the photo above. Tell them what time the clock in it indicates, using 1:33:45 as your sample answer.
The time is 5:15:58
